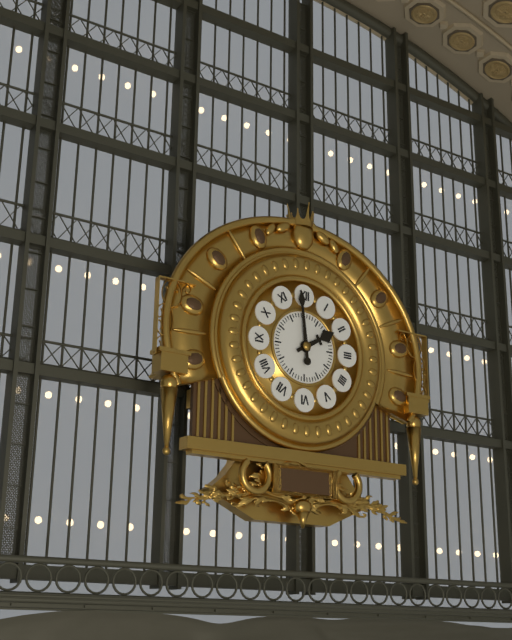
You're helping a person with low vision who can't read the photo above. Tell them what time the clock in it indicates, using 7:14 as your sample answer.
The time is 1:59
